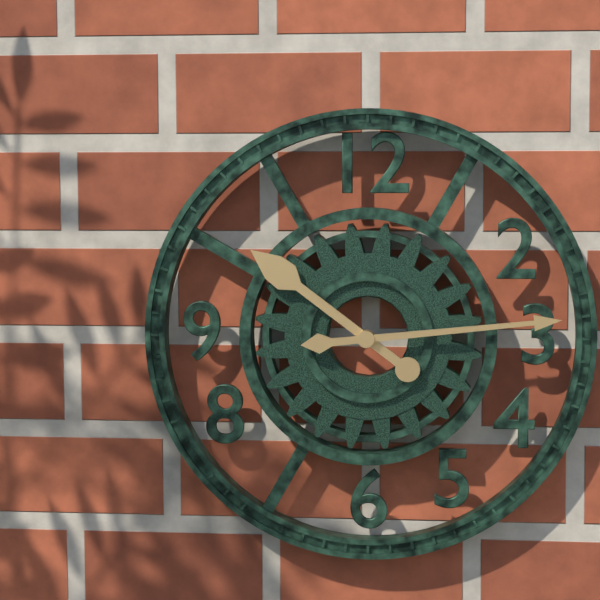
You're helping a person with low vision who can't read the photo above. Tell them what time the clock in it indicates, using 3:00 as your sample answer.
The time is 10:14
